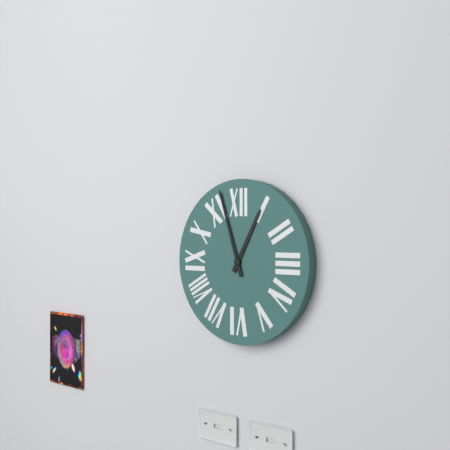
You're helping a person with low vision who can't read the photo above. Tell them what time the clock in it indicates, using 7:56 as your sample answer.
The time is 12:57
